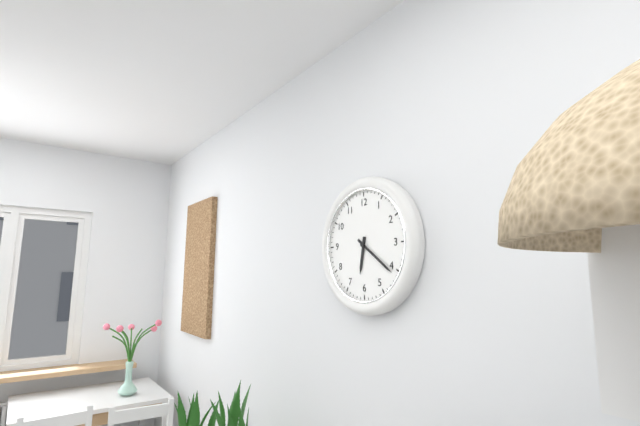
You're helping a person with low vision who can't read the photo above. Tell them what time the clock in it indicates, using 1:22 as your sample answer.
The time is 6:21
